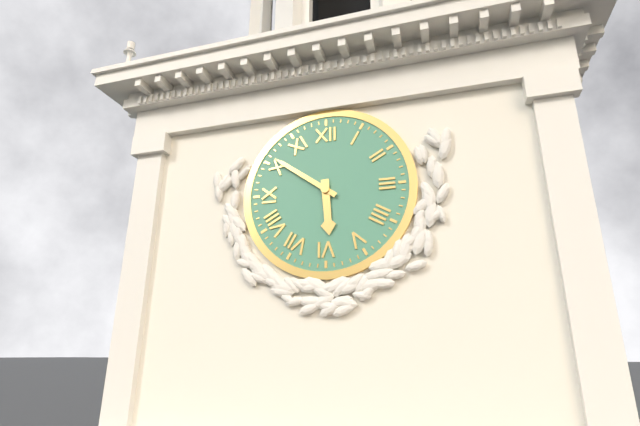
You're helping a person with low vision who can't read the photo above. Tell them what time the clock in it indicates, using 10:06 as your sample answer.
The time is 5:51
